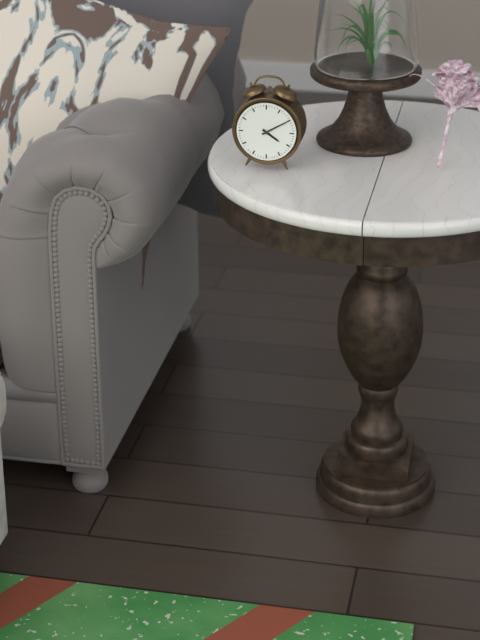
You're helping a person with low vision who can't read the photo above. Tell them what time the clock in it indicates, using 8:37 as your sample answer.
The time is 4:10
